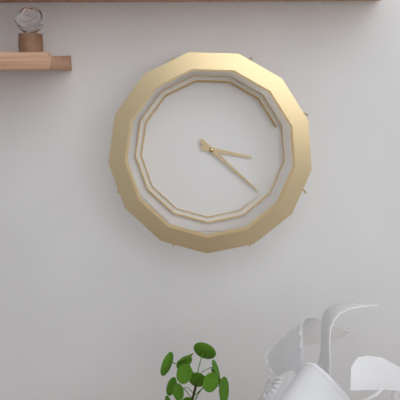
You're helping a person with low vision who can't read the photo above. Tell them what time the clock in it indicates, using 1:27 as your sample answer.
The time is 3:22
